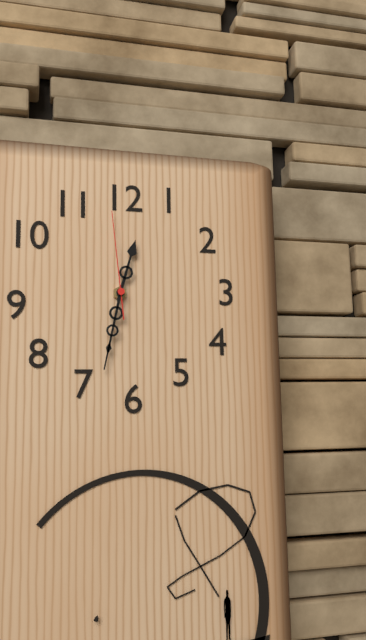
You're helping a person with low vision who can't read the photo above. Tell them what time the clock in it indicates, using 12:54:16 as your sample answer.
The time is 12:32:59
